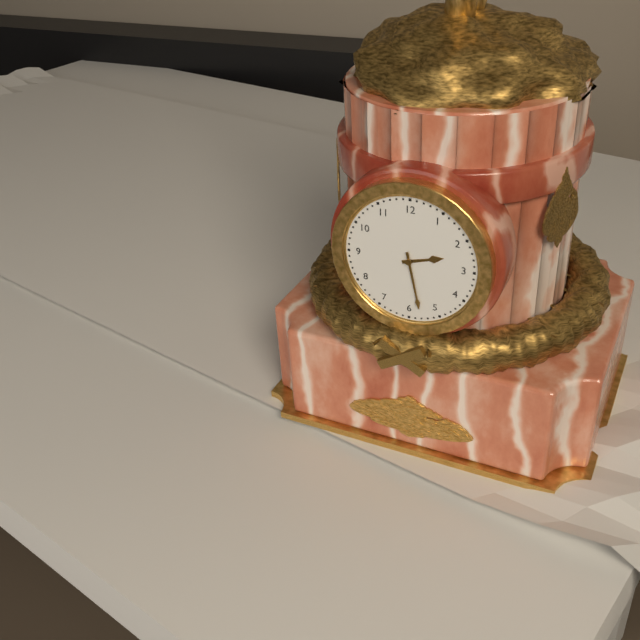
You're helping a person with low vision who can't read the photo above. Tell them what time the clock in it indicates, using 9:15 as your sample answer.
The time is 2:28
